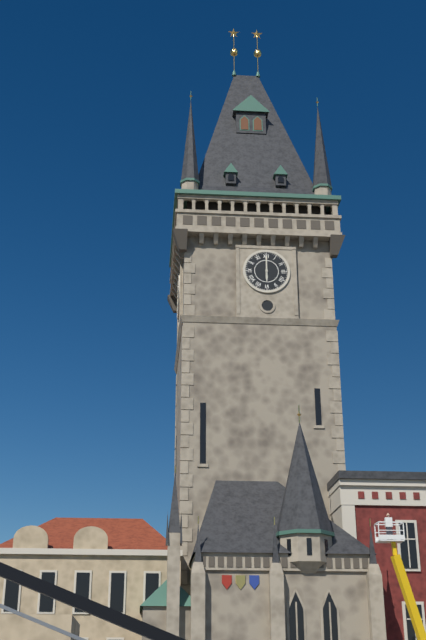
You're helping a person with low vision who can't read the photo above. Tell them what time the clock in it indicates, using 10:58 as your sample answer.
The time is 6:00
